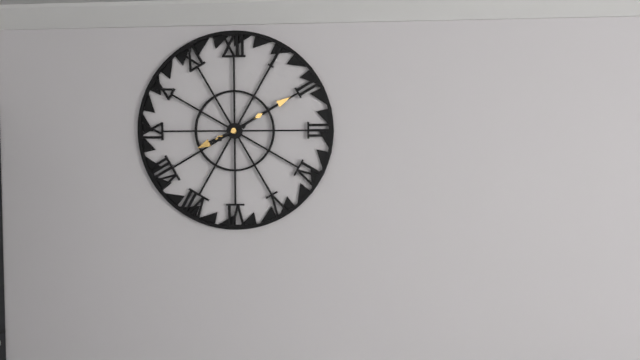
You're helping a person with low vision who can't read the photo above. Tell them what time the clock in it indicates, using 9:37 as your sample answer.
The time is 8:10
